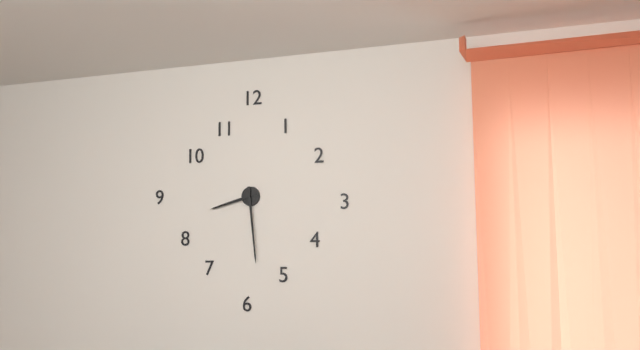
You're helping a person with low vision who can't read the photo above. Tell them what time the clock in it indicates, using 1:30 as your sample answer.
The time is 8:29
